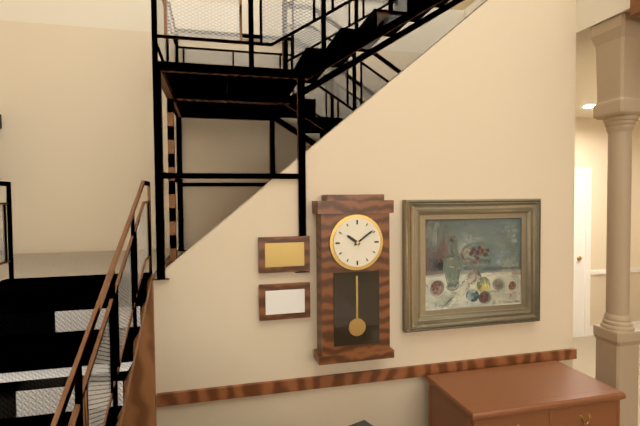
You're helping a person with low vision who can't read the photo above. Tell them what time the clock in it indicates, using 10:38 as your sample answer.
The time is 10:09
